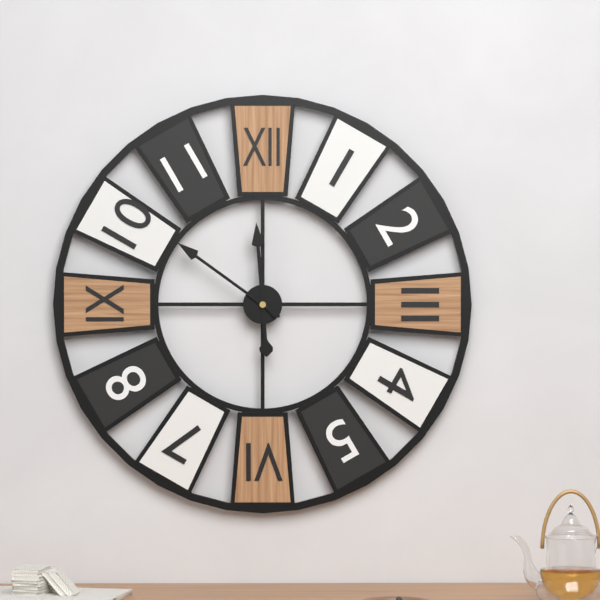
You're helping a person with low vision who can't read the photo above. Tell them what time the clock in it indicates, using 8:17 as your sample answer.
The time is 11:51
